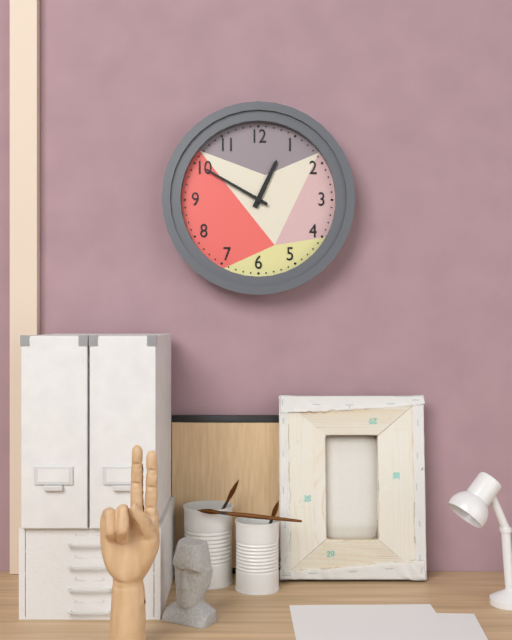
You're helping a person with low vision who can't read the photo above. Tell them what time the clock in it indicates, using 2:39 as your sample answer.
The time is 12:50
